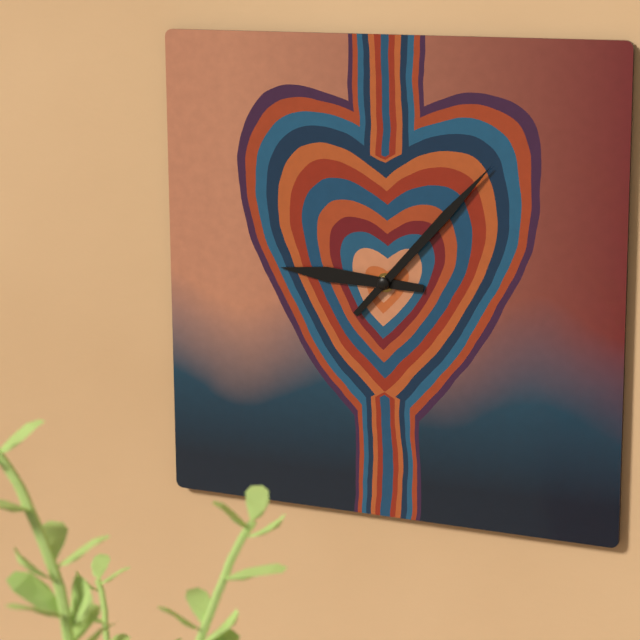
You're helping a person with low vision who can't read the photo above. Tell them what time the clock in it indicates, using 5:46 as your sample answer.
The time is 9:07
